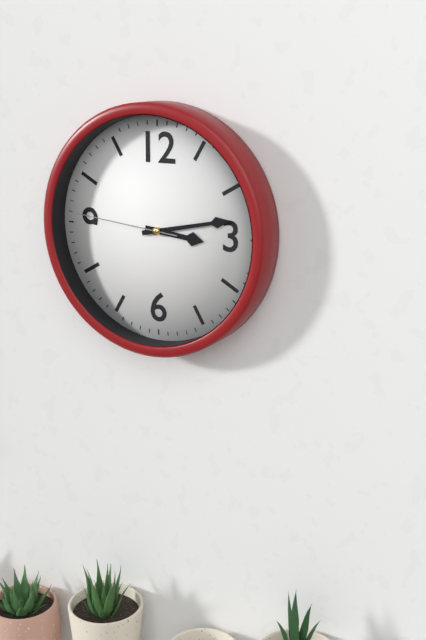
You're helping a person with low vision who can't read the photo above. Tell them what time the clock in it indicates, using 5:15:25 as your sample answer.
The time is 3:13:46
